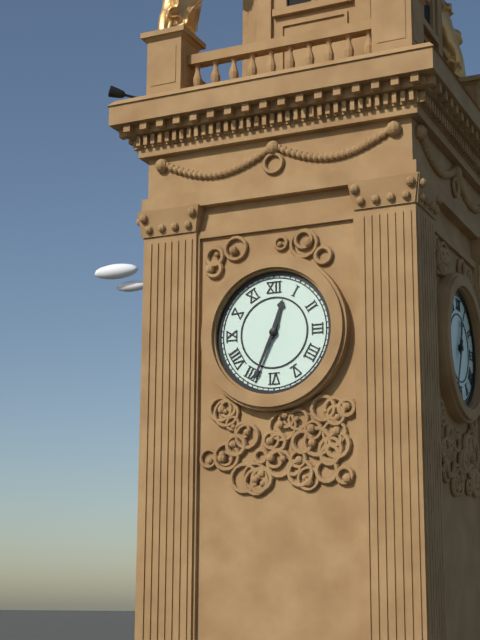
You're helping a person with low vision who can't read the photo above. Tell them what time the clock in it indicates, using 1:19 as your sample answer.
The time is 12:34
